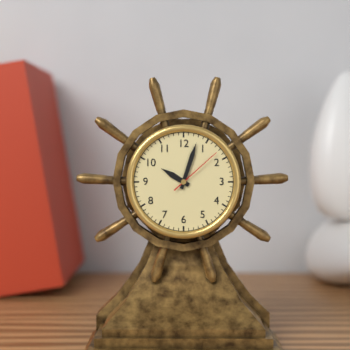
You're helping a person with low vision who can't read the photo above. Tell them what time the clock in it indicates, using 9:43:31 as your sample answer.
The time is 10:03:08
